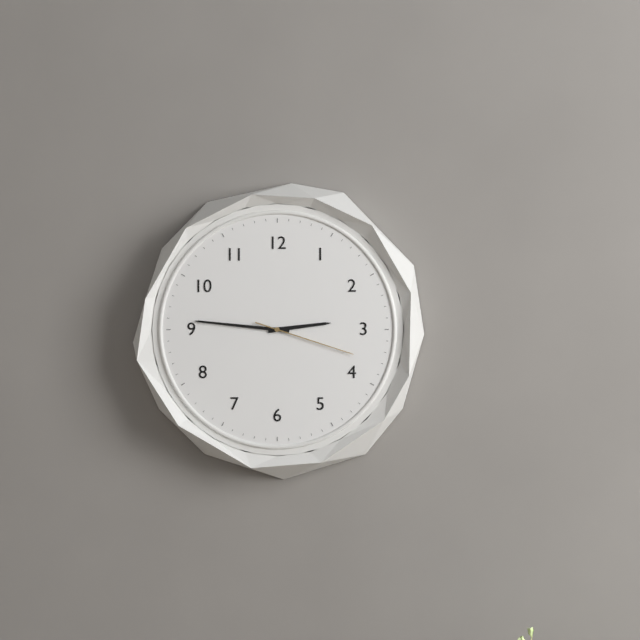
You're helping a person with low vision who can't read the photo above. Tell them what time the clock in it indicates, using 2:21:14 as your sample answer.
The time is 2:46:18
